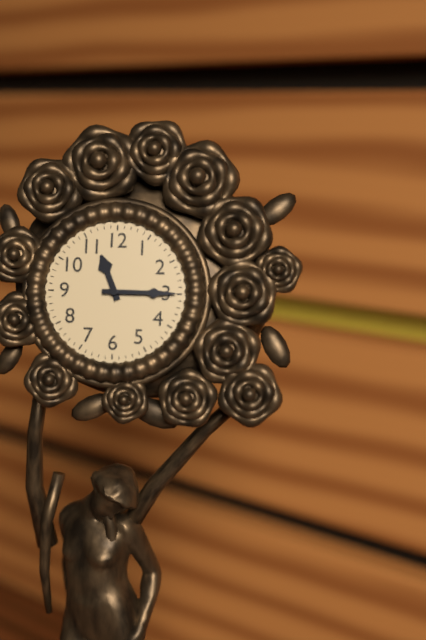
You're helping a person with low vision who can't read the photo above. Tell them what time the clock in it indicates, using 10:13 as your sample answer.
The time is 11:15
